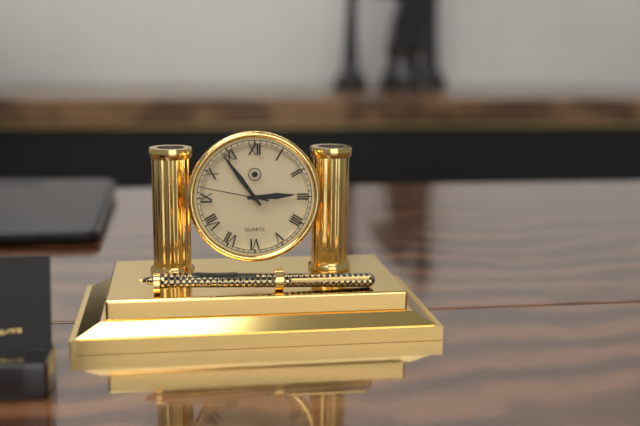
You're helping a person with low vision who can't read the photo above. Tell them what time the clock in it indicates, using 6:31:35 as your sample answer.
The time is 2:54:47
